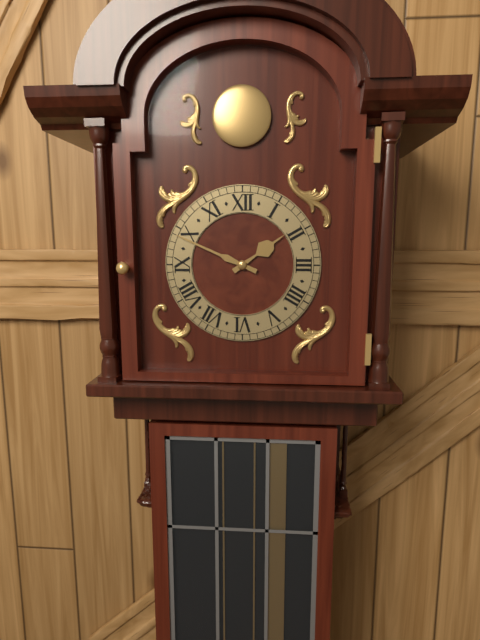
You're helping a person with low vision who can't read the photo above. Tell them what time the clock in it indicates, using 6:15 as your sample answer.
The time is 1:49
